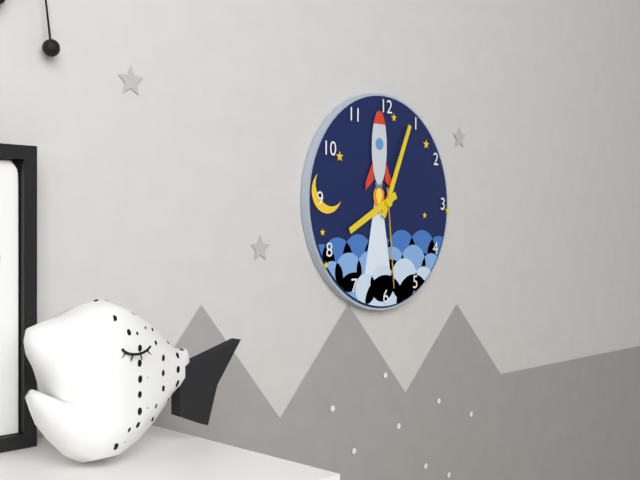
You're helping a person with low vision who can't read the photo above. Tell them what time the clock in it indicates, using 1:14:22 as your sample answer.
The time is 8:04:29
